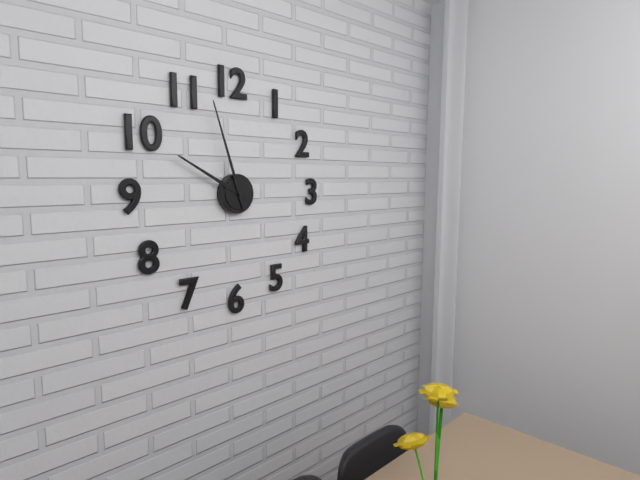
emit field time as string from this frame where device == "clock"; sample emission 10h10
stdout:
9h57
